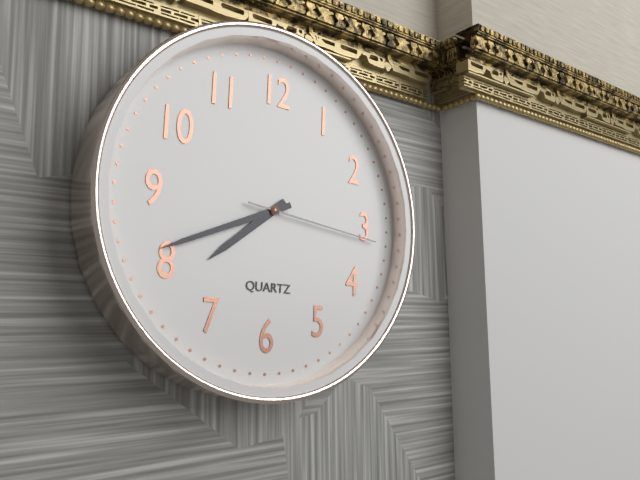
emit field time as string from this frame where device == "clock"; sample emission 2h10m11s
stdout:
7h41m16s
